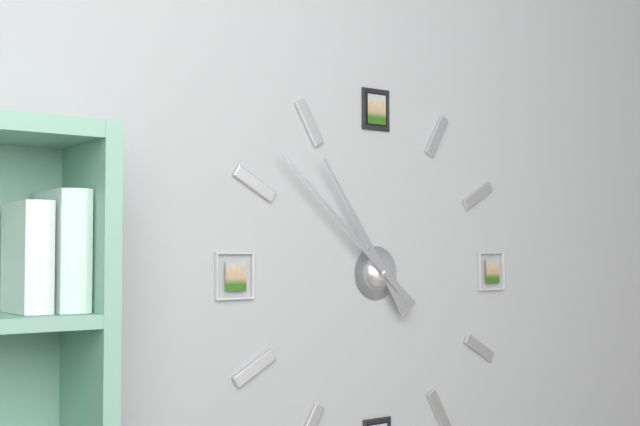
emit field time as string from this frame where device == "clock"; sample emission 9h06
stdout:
10h52
